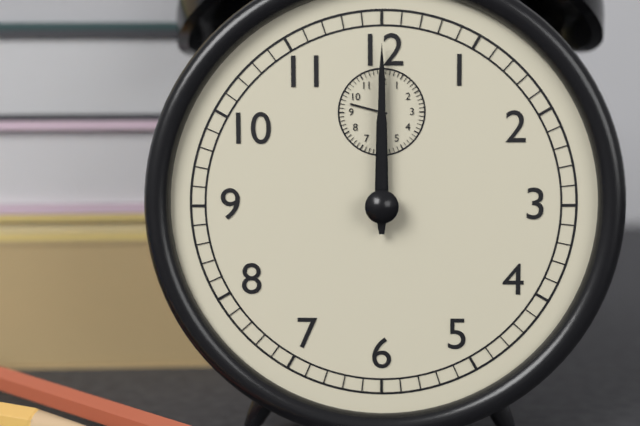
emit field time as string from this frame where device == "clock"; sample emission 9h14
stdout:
12h00
